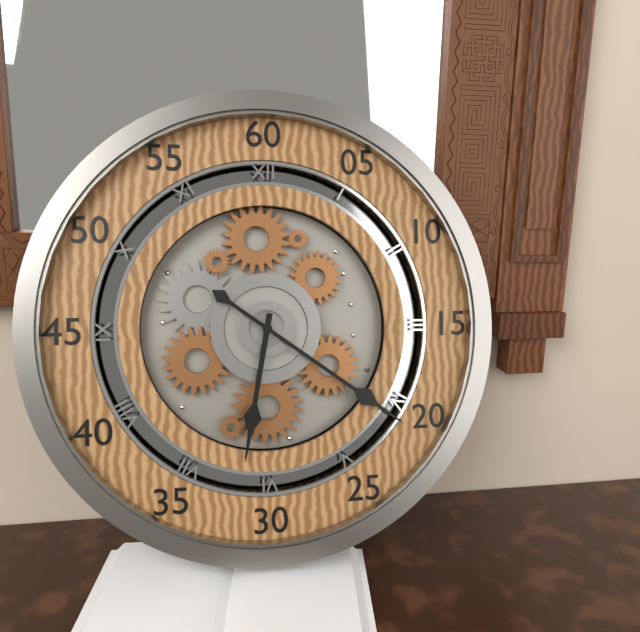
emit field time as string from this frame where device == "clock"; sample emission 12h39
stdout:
6h21
